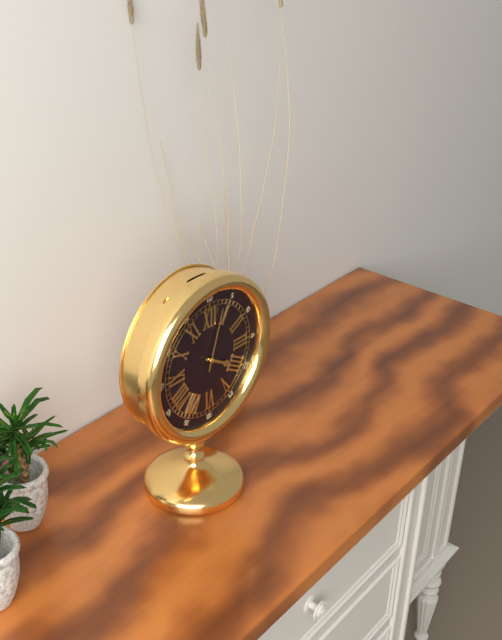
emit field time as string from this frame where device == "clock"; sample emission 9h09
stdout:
4h03
